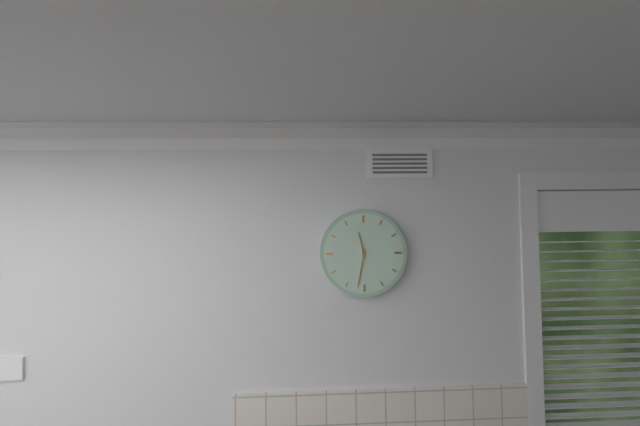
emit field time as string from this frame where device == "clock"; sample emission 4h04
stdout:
11h32
